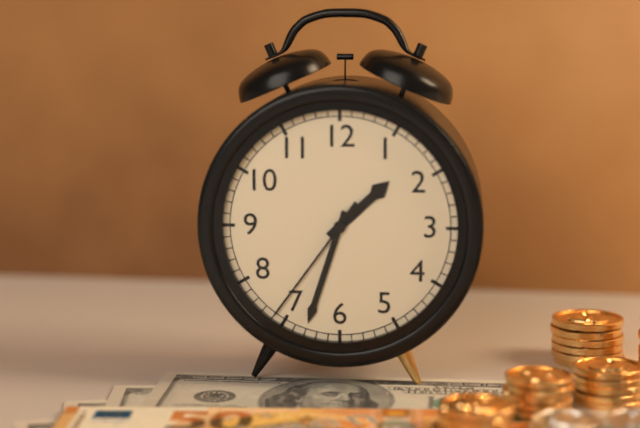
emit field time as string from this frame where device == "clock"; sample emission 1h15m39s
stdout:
1h33m36s
